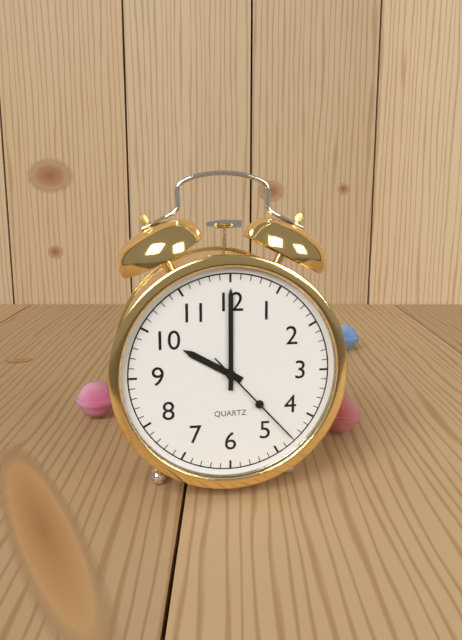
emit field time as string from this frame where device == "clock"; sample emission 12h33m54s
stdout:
10h00m23s
